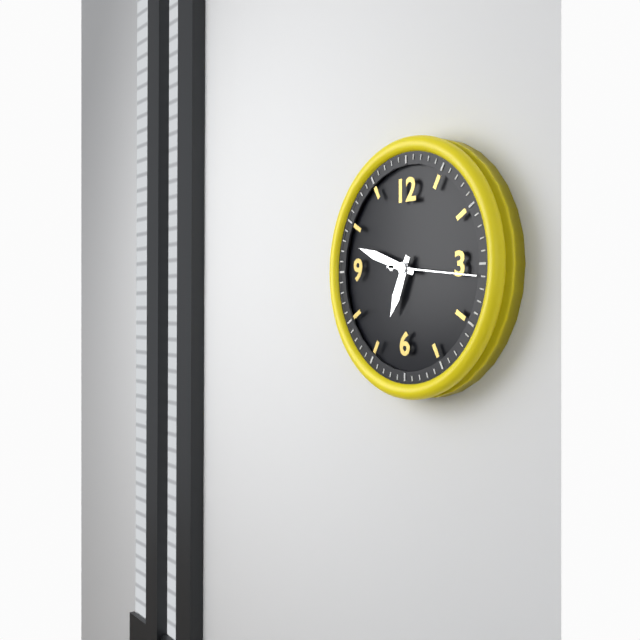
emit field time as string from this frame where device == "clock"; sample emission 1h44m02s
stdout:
6h48m16s
